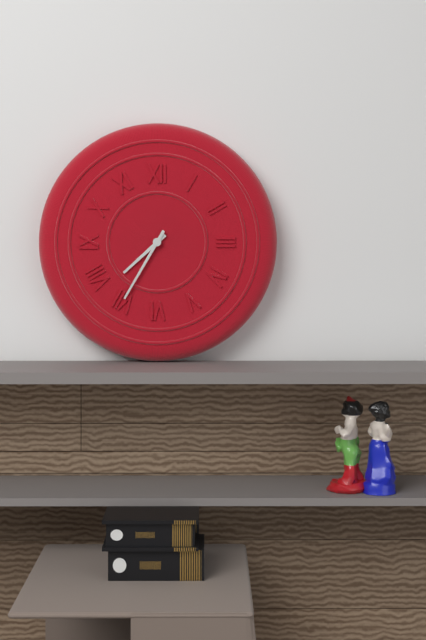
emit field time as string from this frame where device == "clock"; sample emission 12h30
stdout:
7h35
